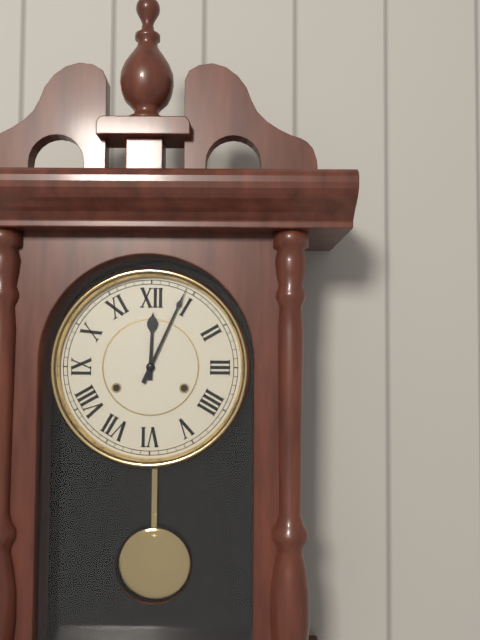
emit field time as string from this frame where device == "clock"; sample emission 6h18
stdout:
12h04
